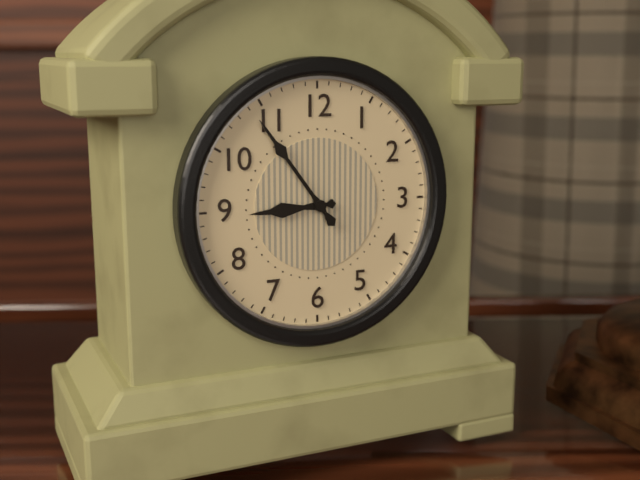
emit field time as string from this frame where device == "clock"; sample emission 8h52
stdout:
8h54
